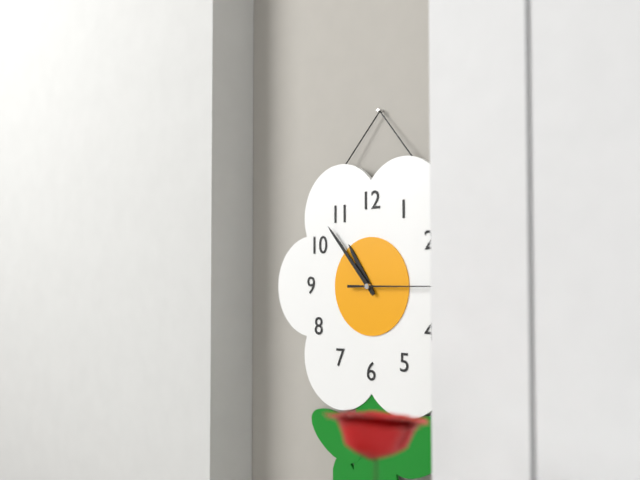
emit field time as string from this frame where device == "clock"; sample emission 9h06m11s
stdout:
10h53m15s
